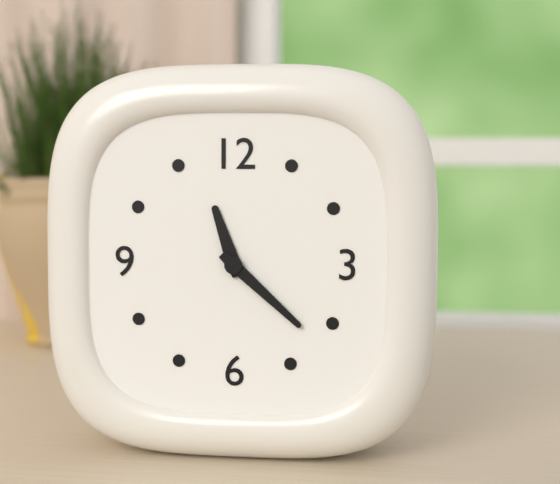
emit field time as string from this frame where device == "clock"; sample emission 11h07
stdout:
11h22
